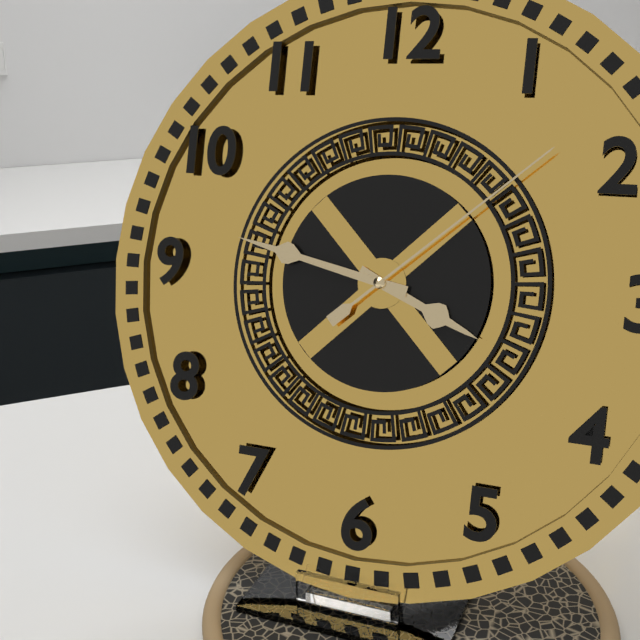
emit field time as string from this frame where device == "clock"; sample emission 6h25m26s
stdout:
3h47m08s
